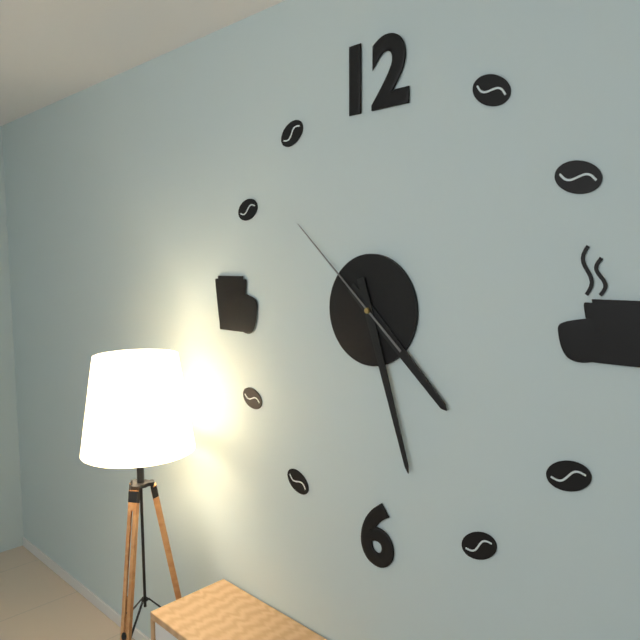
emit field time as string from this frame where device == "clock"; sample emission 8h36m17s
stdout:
4h27m52s
